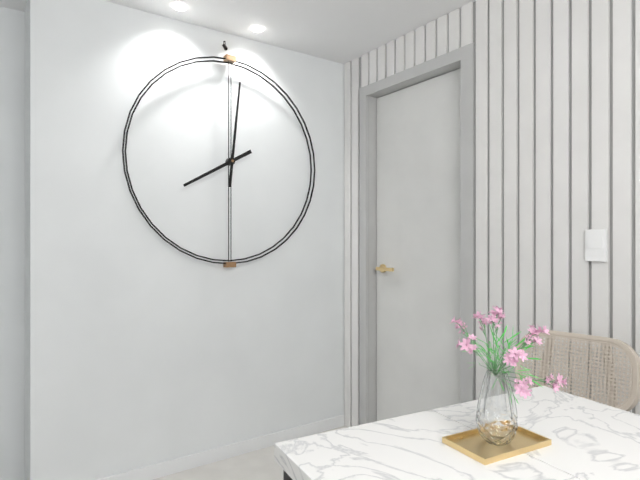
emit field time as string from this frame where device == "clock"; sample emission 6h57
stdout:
8h01
